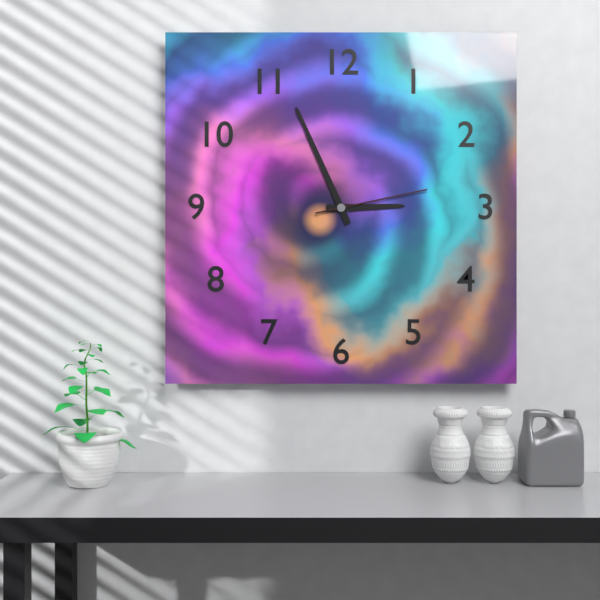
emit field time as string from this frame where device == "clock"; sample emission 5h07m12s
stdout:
2h56m13s
